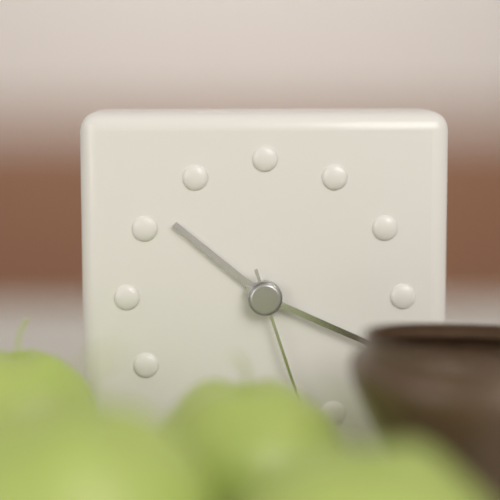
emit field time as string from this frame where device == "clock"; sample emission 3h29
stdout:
10h19
